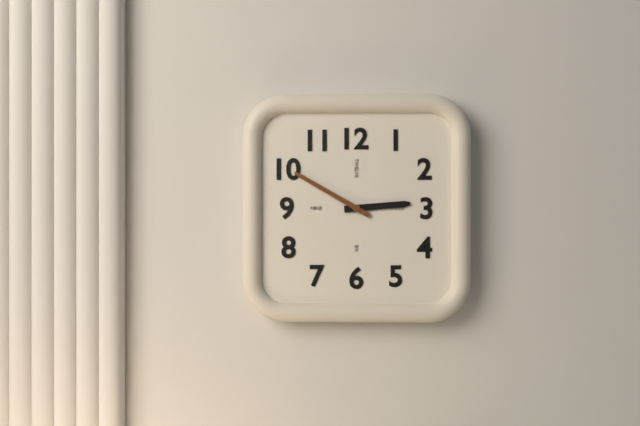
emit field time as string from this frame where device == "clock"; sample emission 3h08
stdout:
2h50
